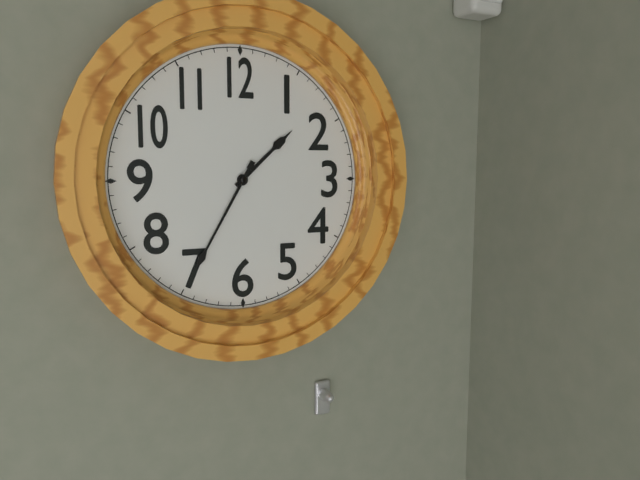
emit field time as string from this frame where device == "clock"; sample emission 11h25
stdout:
1h35
